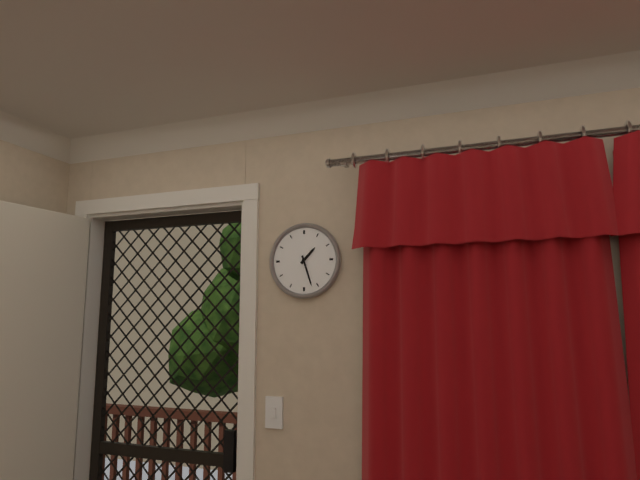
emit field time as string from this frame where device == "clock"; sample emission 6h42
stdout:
1h27
